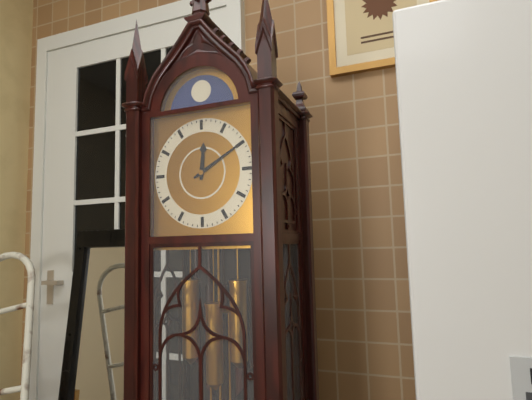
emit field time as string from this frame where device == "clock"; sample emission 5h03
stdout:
12h10
